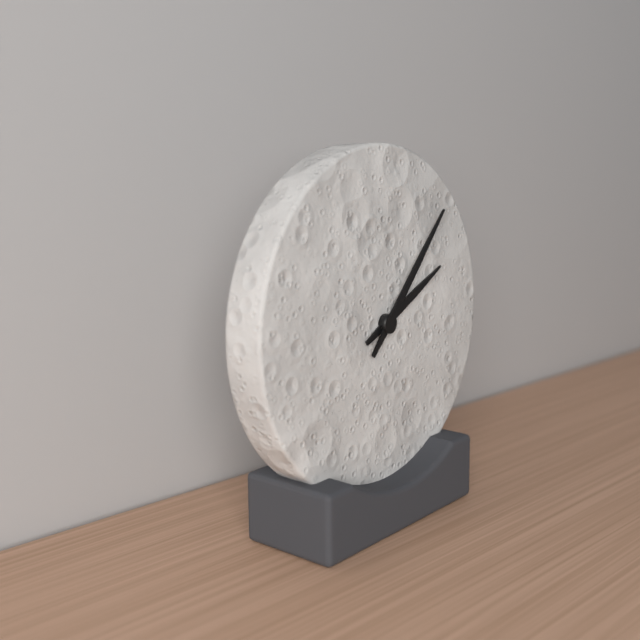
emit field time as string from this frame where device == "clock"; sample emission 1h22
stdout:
2h07
